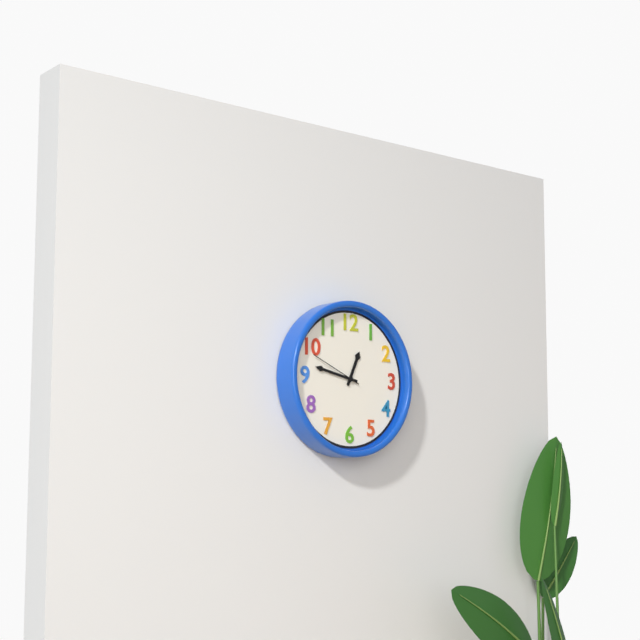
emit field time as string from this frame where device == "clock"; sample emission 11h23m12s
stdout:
12h47m49s
